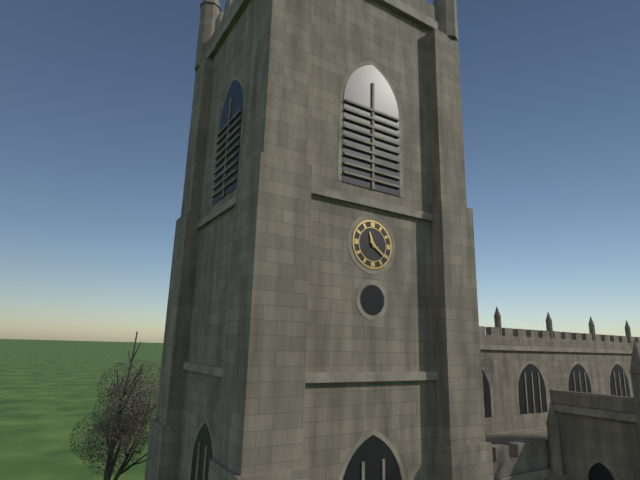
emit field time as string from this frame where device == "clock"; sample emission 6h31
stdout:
11h21
